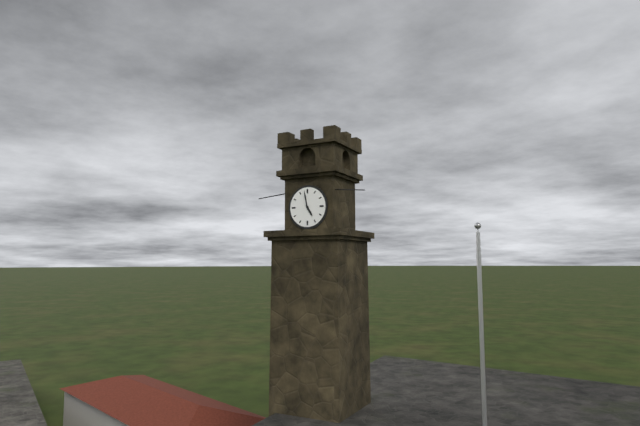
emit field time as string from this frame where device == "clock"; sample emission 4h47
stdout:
4h58
